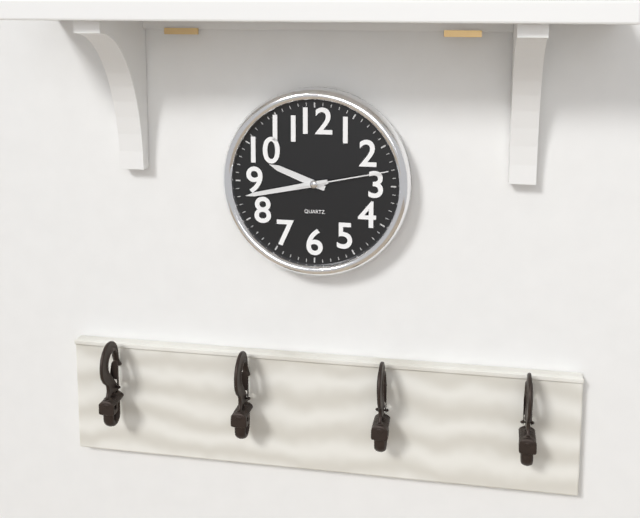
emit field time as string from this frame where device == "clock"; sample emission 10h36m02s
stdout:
9h43m13s
